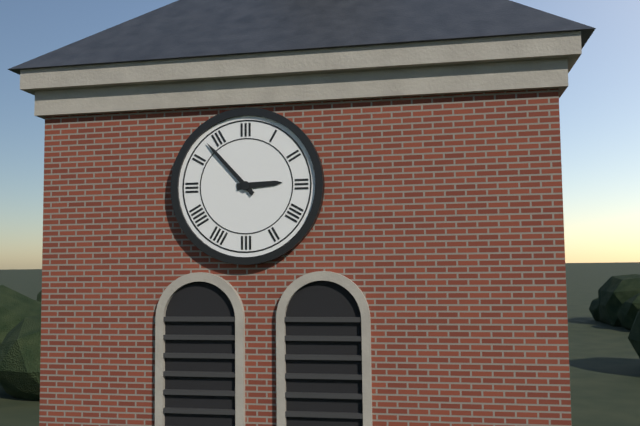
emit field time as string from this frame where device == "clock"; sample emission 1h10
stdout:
2h53
